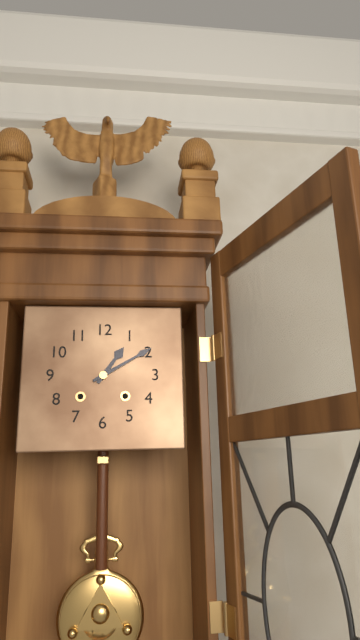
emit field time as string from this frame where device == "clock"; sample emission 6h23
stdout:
1h10
